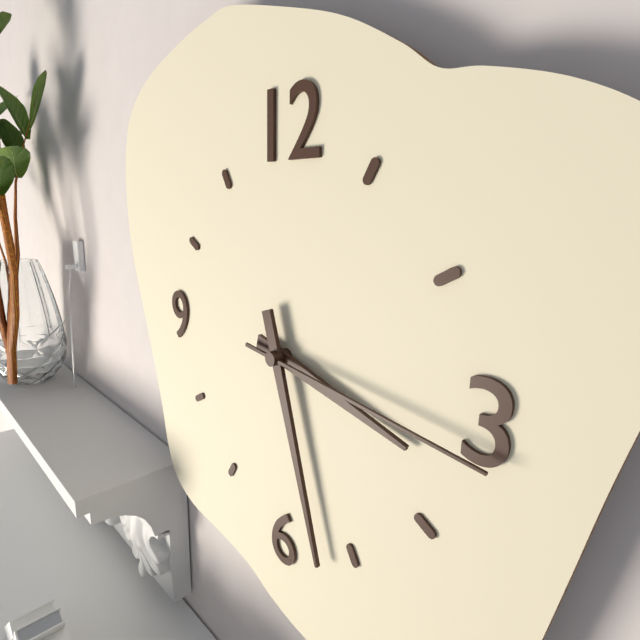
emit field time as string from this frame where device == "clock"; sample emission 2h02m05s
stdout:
3h27m16s
